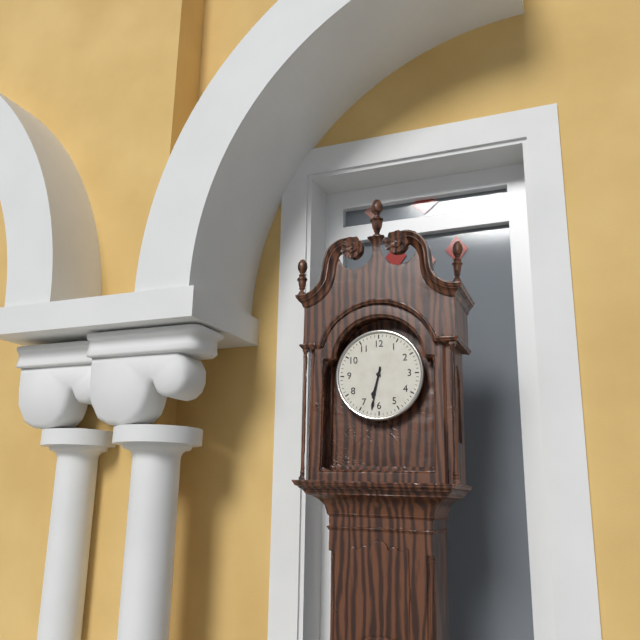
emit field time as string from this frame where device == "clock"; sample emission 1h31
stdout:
6h32
